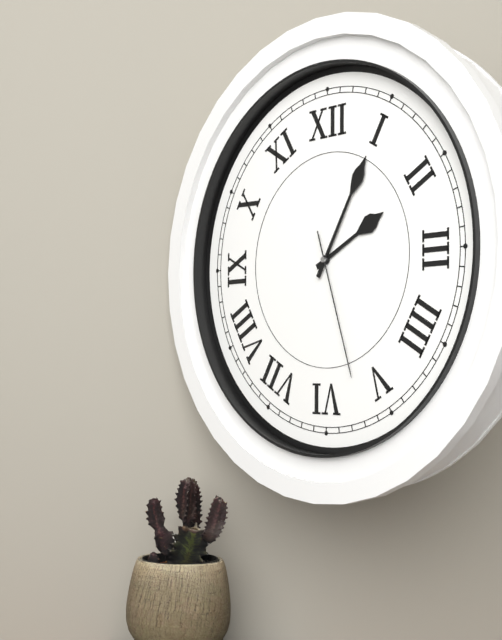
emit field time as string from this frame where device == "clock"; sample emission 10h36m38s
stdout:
2h05m27s
